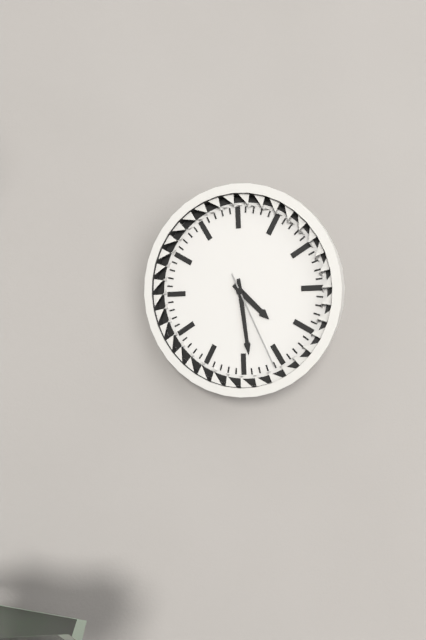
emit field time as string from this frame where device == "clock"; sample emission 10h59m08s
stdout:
4h29m26s
